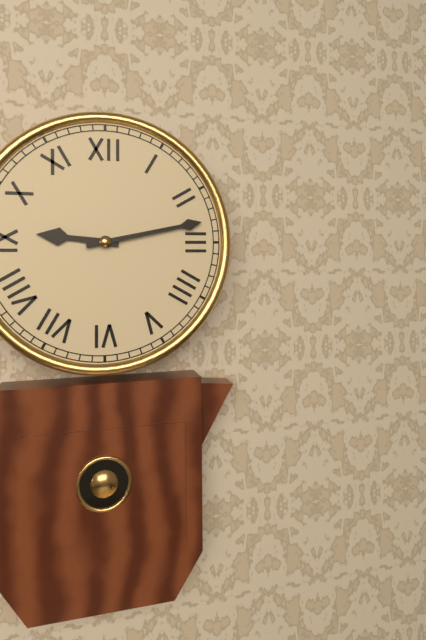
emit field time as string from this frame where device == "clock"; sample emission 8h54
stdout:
9h13
